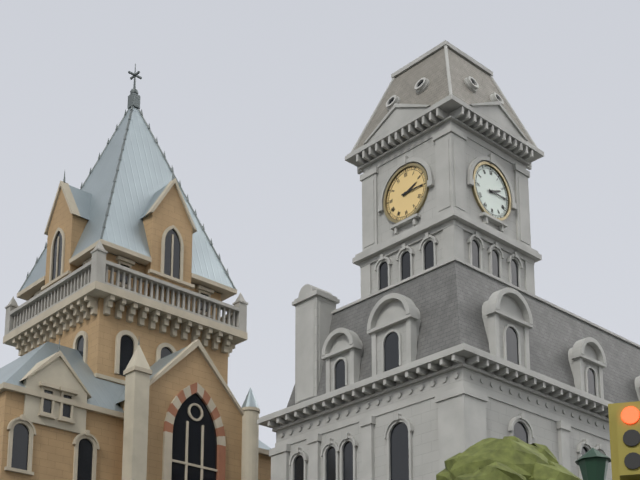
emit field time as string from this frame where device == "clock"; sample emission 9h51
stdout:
2h15
